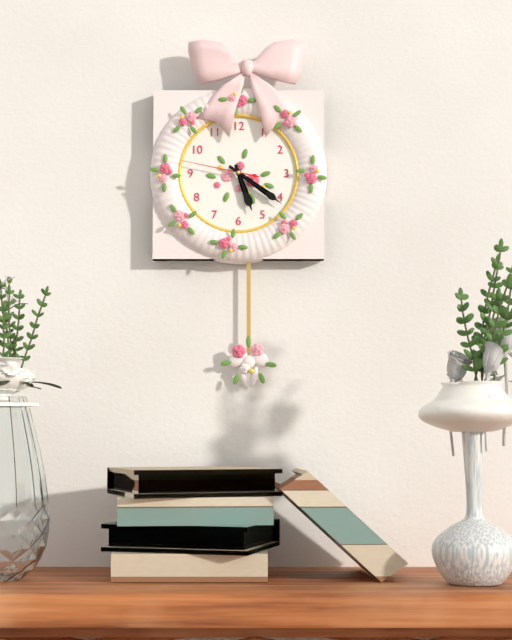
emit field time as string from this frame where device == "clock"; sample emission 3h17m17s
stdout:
5h21m47s
